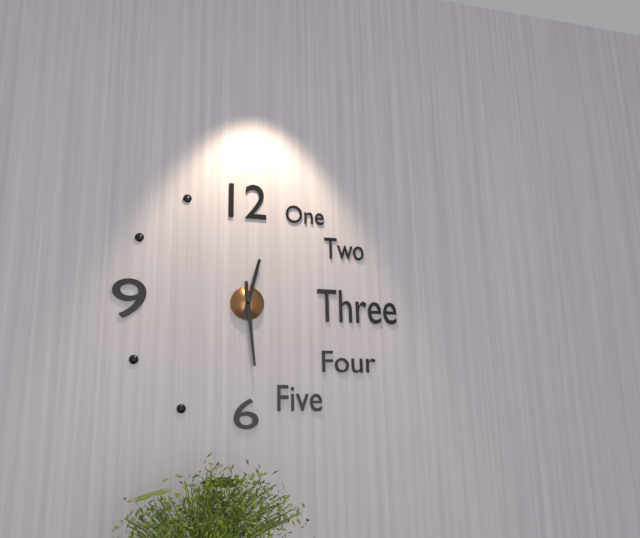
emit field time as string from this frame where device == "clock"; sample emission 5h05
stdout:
12h29
